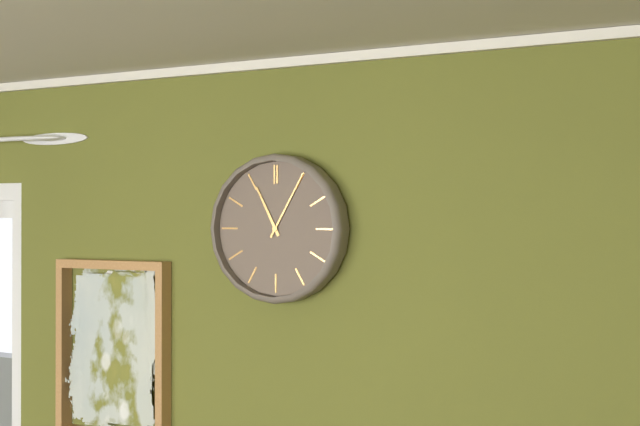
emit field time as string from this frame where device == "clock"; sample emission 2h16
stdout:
11h05
